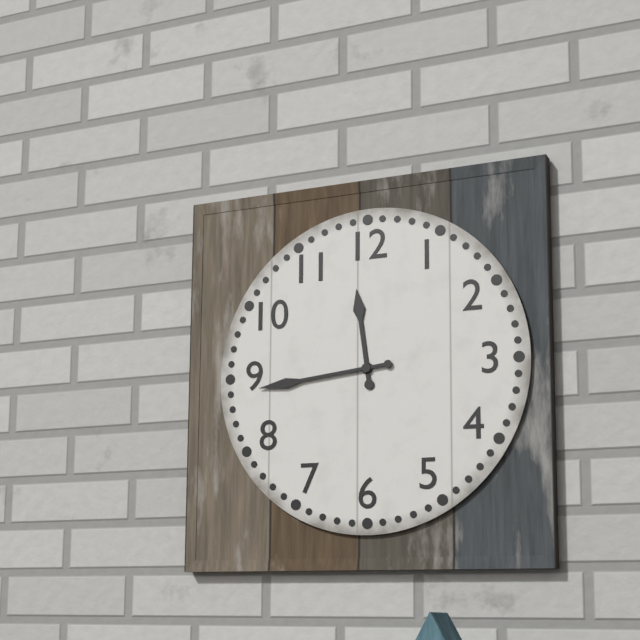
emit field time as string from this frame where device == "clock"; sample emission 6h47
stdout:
11h44
